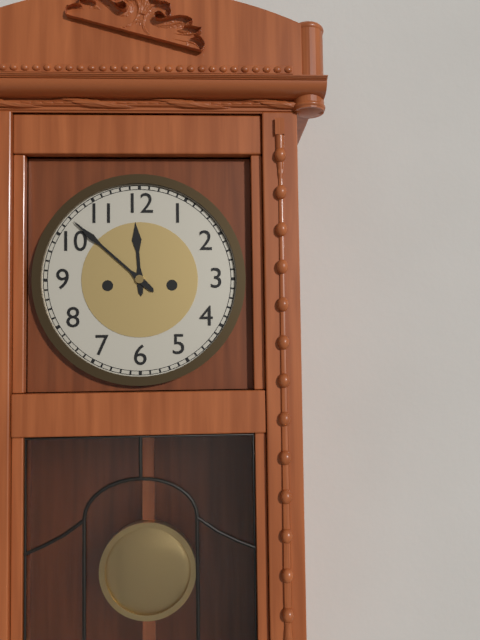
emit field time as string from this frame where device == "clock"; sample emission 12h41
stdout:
11h52
